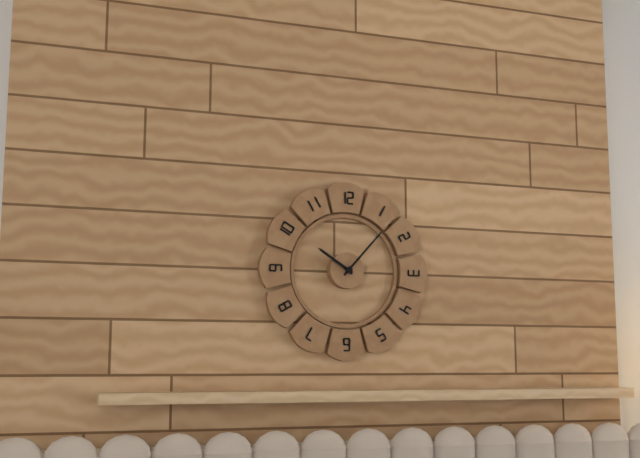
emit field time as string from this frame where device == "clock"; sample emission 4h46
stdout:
10h07
